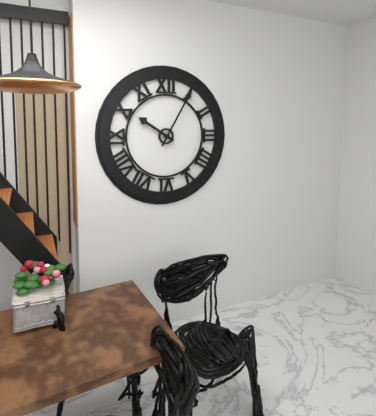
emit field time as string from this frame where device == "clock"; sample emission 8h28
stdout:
10h05
